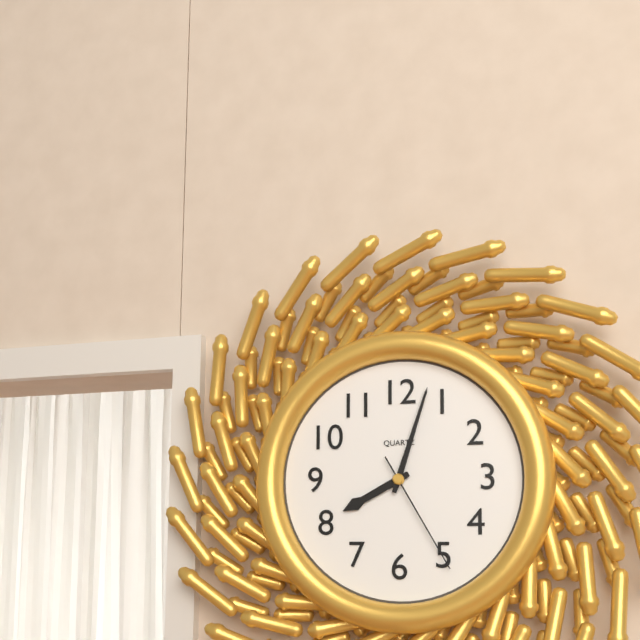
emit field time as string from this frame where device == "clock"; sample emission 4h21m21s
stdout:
8h03m25s
